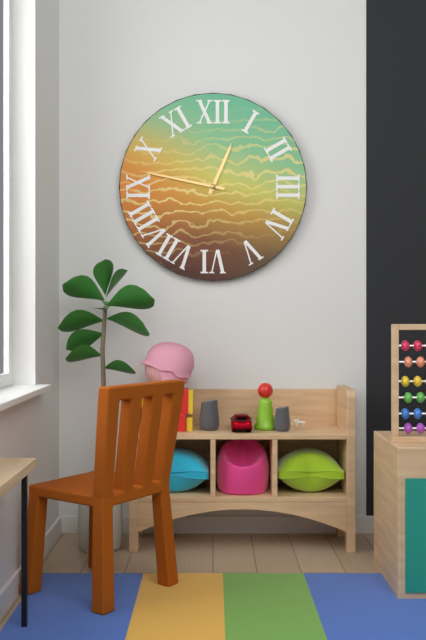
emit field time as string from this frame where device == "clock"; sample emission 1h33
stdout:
12h47
